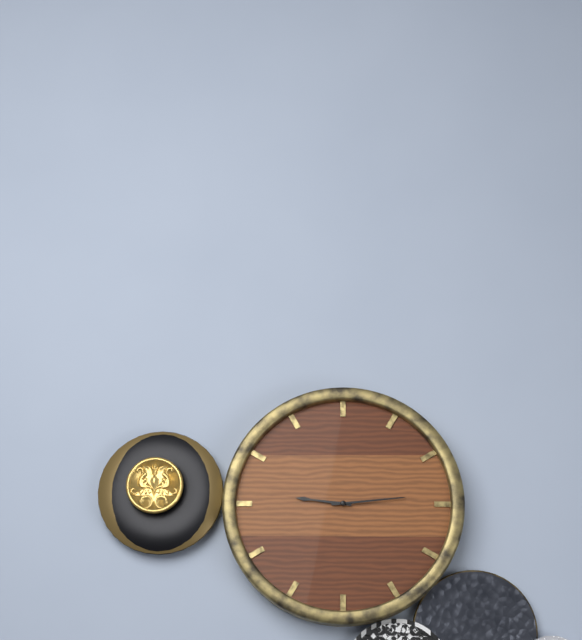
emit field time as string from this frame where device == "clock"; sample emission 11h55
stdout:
9h14
